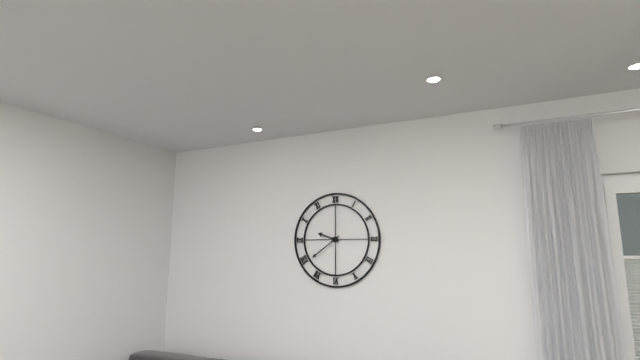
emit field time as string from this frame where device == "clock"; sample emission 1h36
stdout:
9h39
